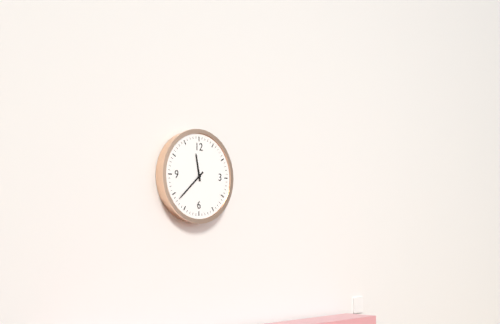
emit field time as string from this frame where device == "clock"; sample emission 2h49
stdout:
11h38
